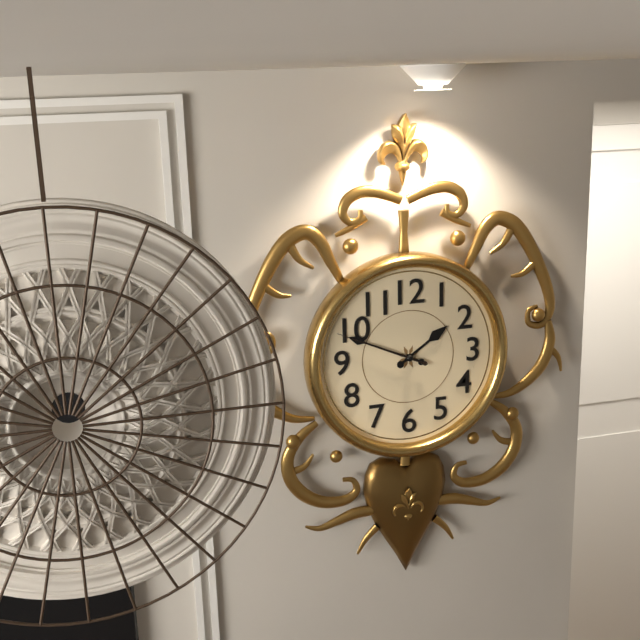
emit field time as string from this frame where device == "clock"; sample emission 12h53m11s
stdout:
1h49m49s
